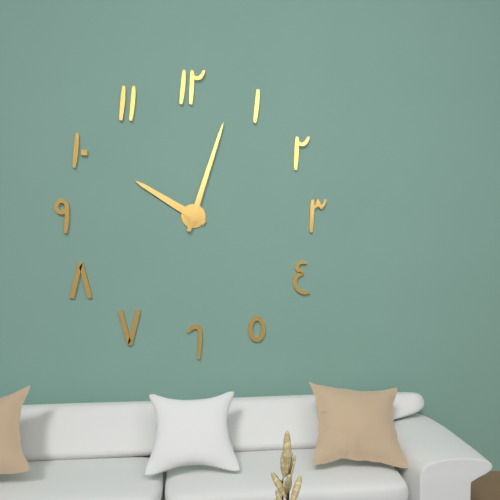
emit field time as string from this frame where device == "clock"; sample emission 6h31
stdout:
10h03
